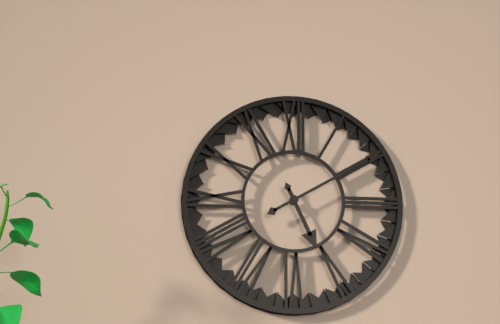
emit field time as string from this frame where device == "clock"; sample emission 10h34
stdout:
5h10
